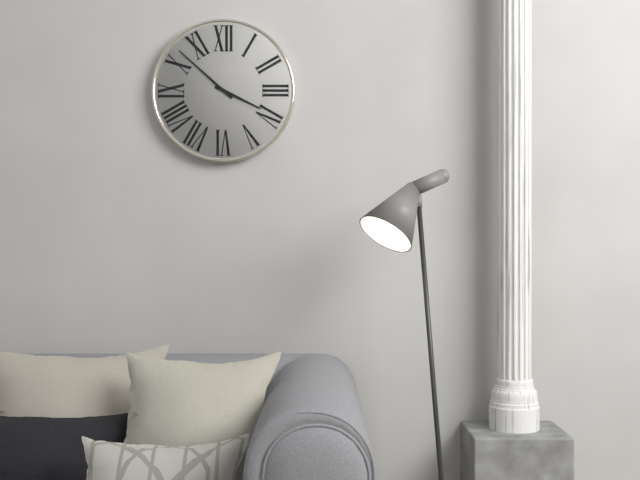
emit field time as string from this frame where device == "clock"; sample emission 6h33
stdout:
3h52
